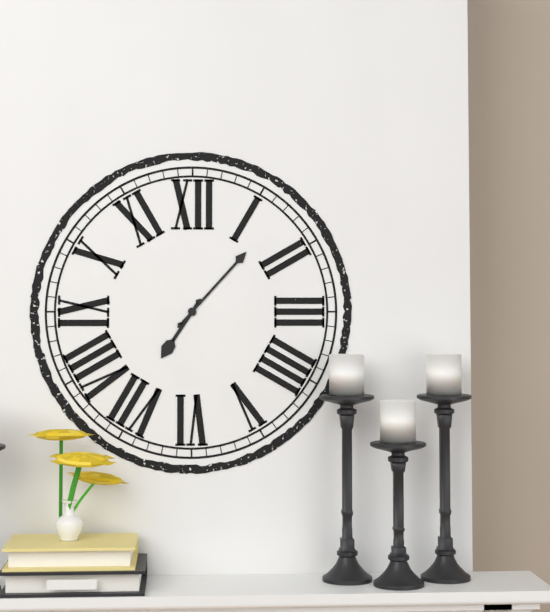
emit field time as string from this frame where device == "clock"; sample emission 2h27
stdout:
7h07
